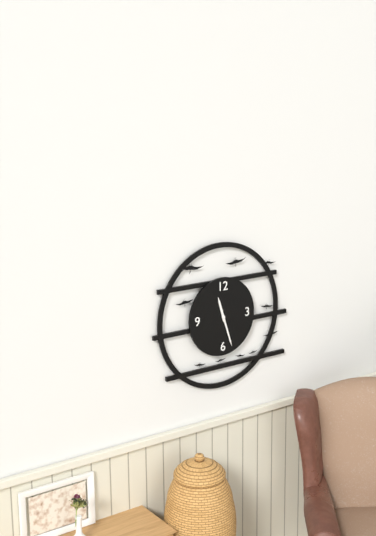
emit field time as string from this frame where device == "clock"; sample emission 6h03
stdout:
11h27
